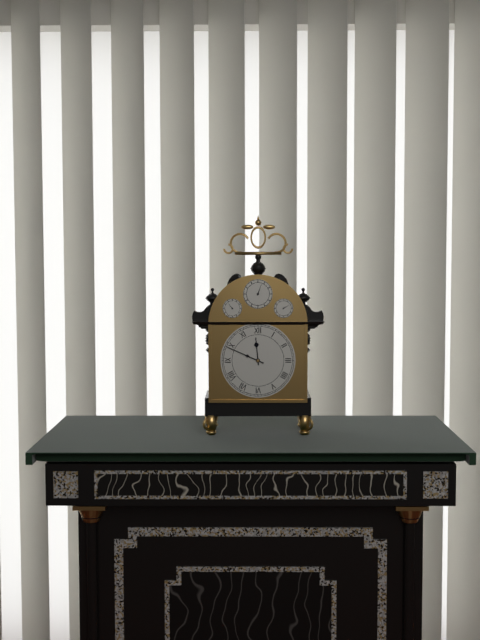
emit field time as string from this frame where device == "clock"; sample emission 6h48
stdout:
11h49
